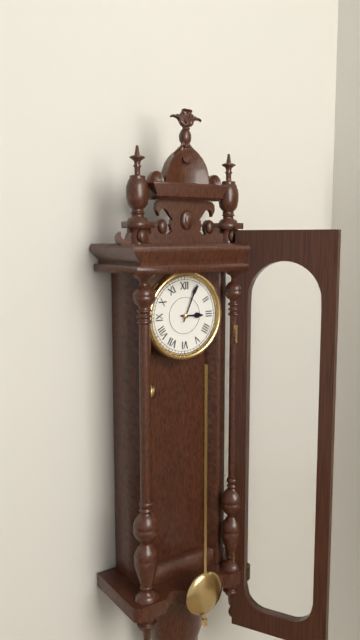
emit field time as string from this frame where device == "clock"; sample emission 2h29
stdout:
3h04
